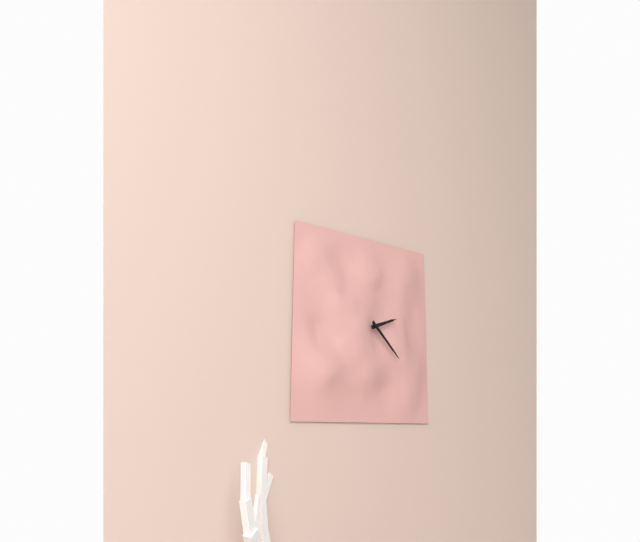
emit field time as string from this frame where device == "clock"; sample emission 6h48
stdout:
2h22
